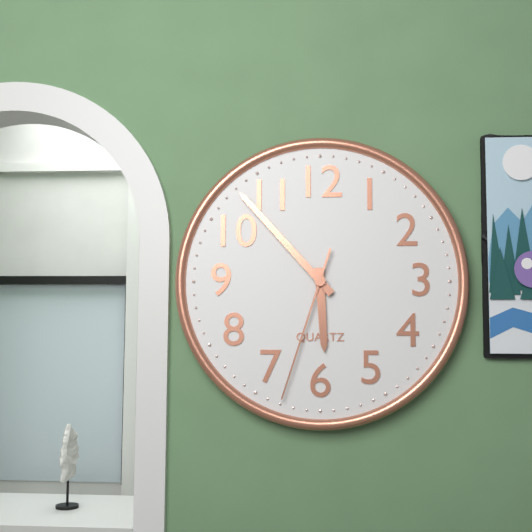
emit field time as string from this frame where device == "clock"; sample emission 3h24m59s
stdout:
5h53m33s
